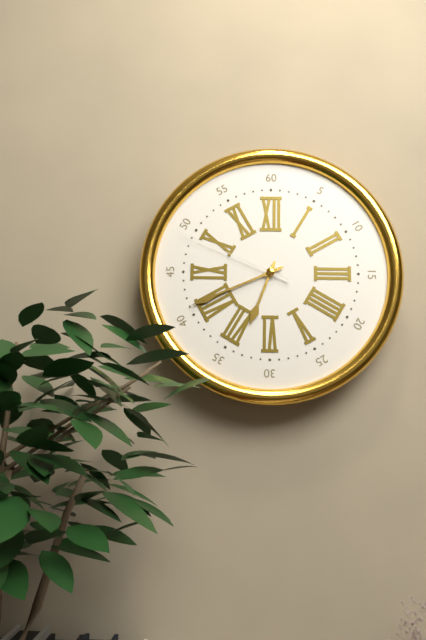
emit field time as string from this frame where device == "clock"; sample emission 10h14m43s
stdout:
6h41m49s
